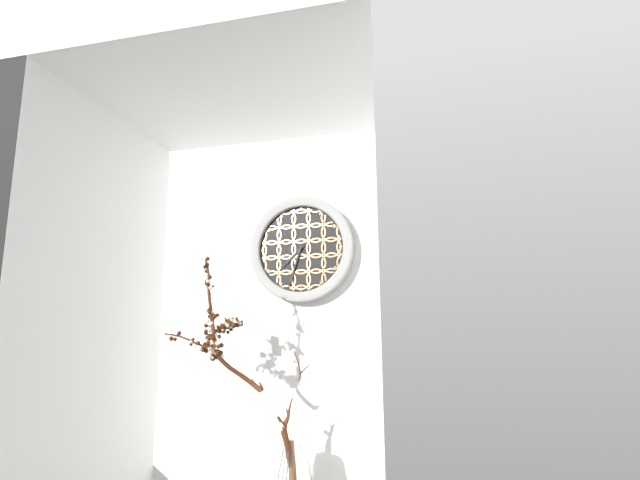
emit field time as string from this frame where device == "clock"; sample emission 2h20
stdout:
7h33
